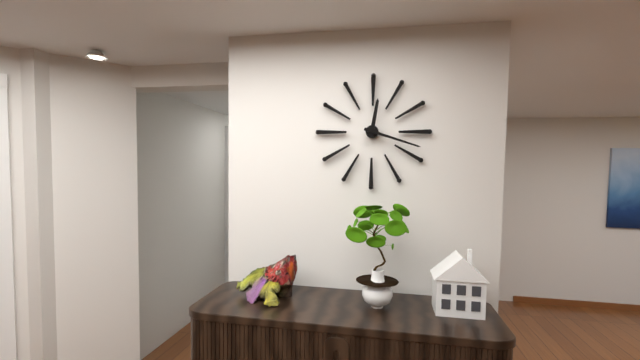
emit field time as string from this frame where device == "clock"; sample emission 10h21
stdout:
12h18
